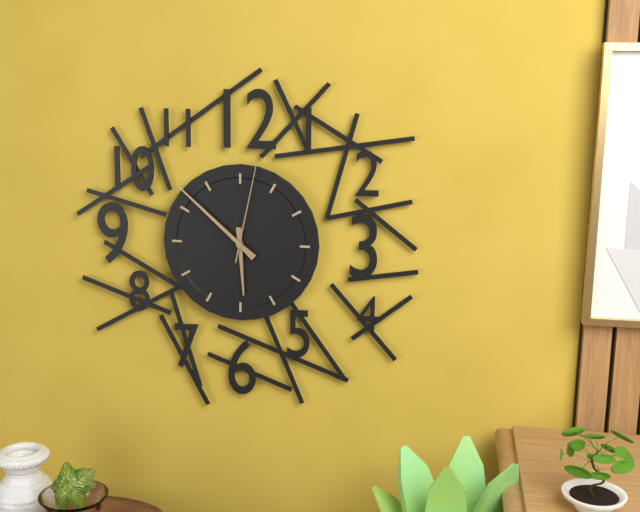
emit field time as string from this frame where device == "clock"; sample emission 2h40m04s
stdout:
5h52m02s
